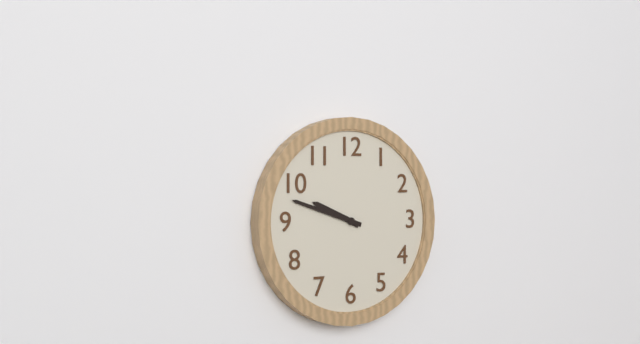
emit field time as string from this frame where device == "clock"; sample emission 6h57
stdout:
9h48
